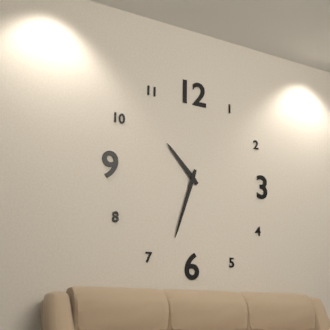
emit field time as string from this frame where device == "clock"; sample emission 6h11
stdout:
10h33
